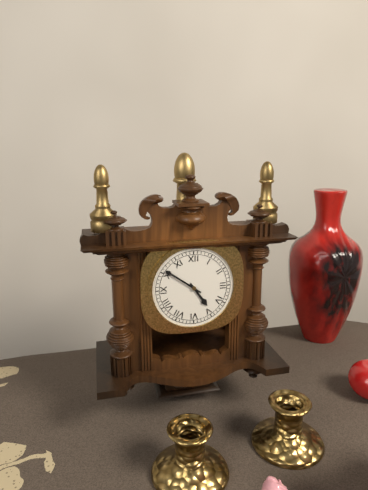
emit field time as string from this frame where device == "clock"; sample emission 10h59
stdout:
4h51
